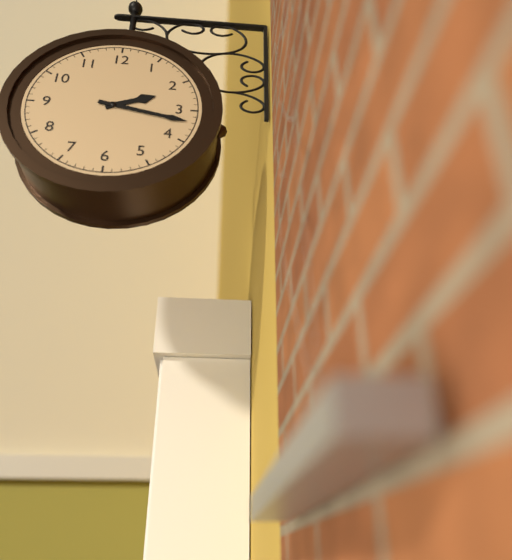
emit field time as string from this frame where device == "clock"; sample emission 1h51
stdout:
2h17
